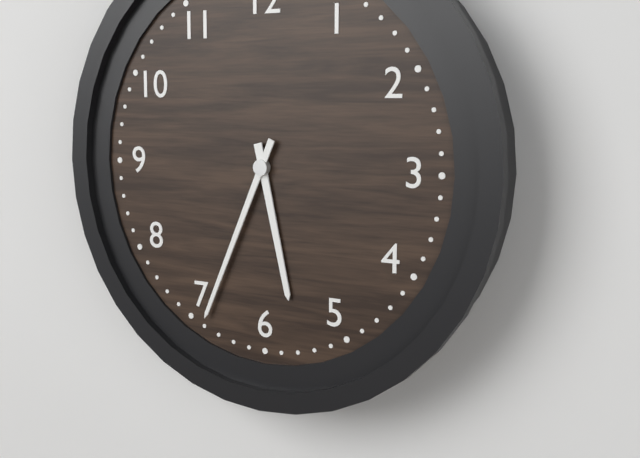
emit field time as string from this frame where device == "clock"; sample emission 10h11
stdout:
5h34
